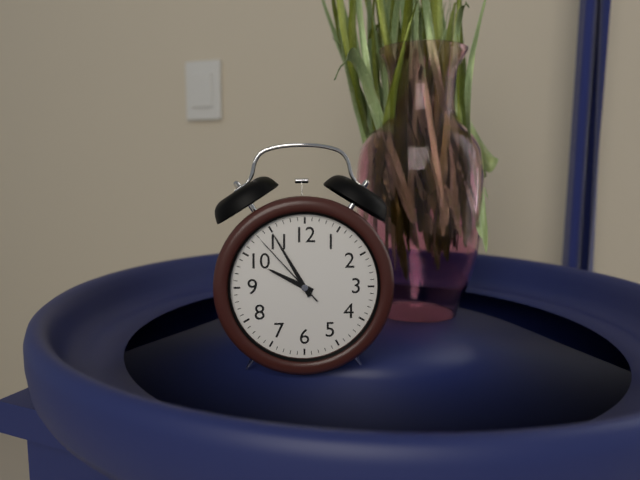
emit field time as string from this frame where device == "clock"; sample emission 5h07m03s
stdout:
9h55m53s
